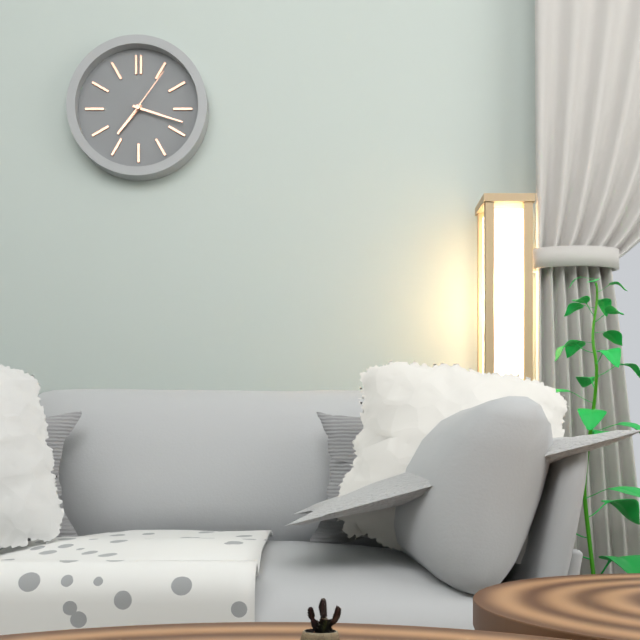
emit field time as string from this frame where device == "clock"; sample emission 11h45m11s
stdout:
7h18m06s
